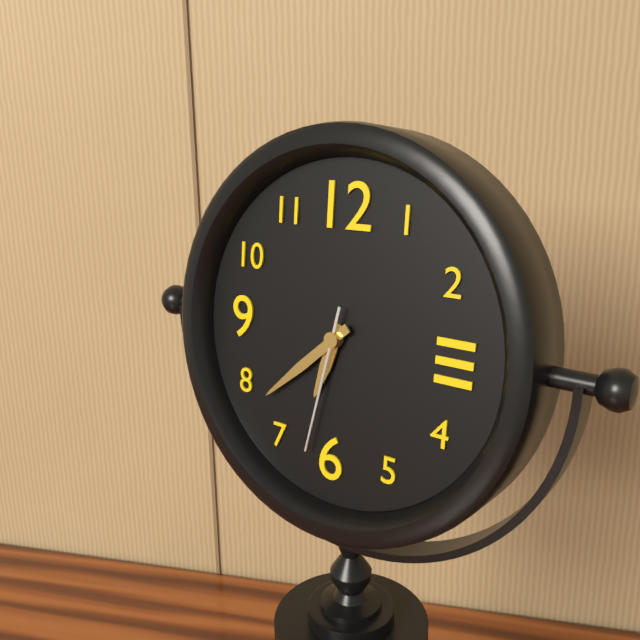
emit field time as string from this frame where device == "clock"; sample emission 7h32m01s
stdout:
6h38m32s
